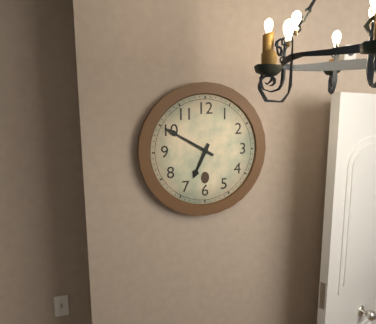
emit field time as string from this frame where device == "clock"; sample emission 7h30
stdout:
6h50
